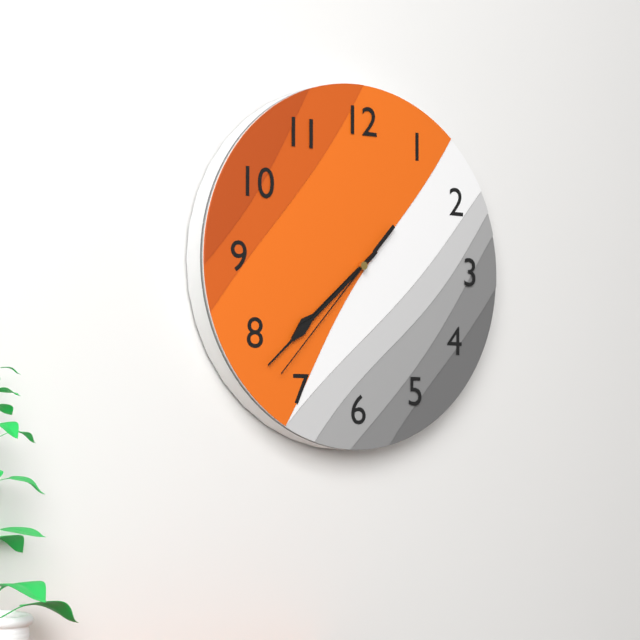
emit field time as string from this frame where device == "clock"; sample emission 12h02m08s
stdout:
7h38m37s
